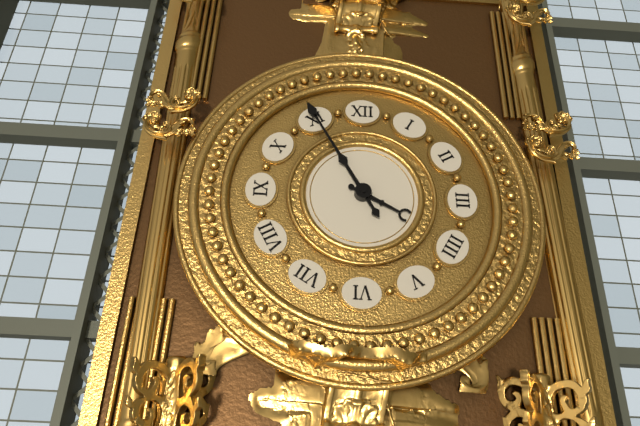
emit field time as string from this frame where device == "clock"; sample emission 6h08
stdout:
3h55
